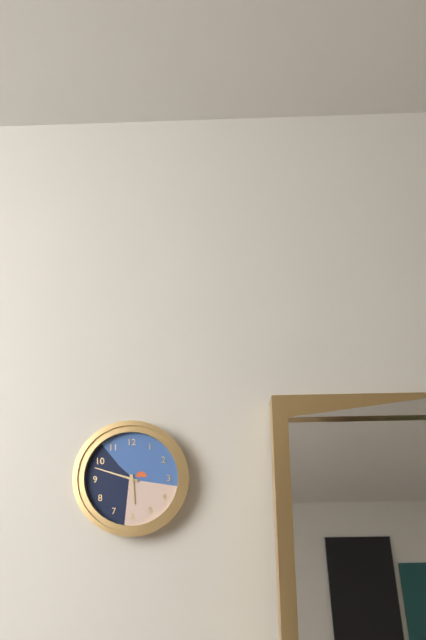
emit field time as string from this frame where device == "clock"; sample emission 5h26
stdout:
5h48
